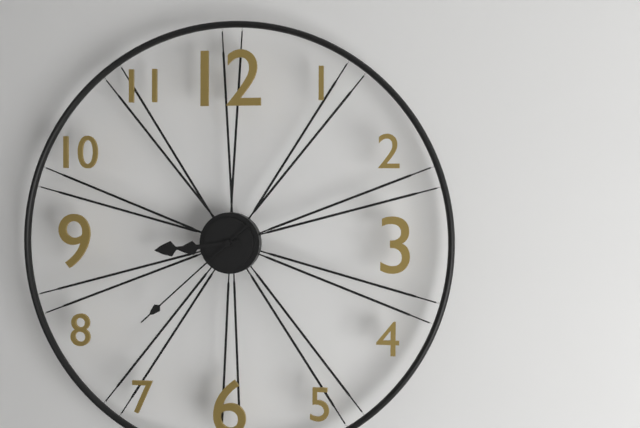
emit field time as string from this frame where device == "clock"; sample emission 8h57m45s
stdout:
8h44m38s
